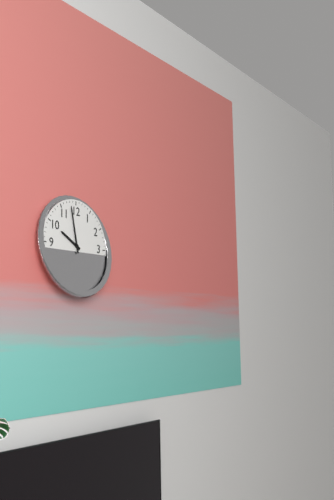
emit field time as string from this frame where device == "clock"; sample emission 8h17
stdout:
9h58
